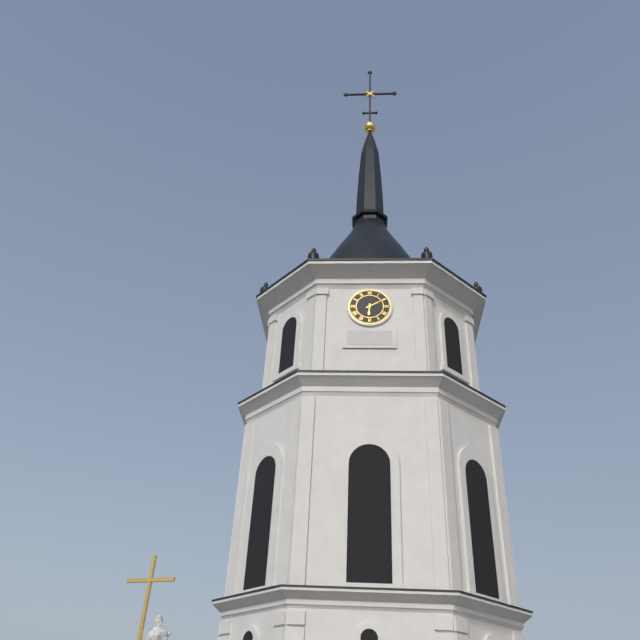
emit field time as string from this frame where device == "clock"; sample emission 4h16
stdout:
6h10
